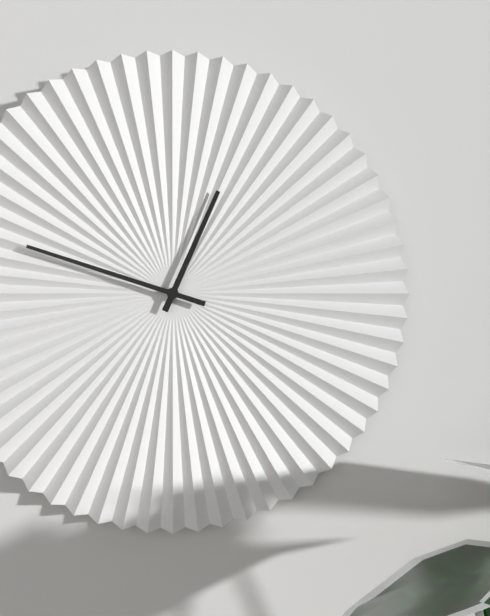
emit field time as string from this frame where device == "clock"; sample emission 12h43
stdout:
12h48
